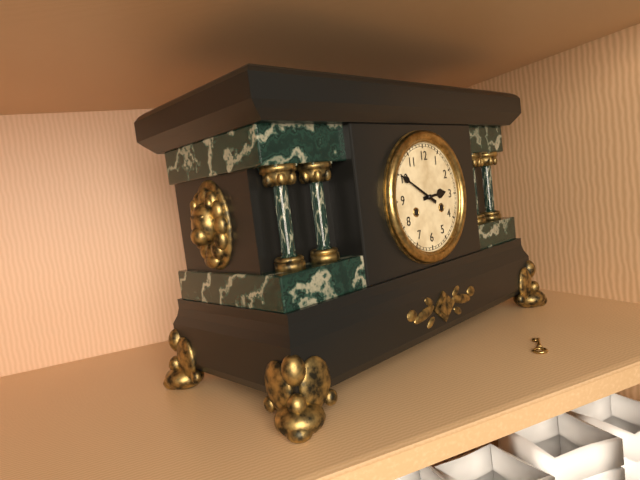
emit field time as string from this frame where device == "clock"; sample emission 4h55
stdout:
2h50
